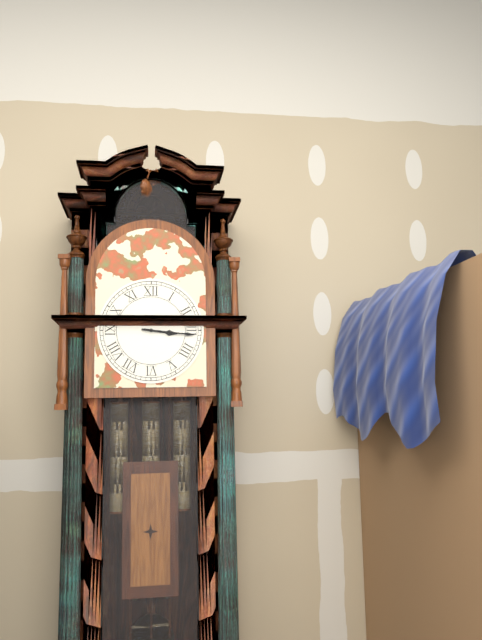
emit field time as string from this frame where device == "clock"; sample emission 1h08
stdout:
3h16
